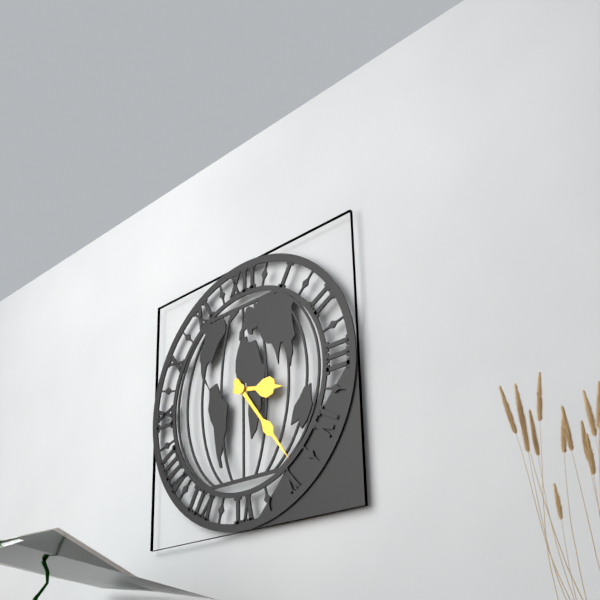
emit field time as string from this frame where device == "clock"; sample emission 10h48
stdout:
3h24
